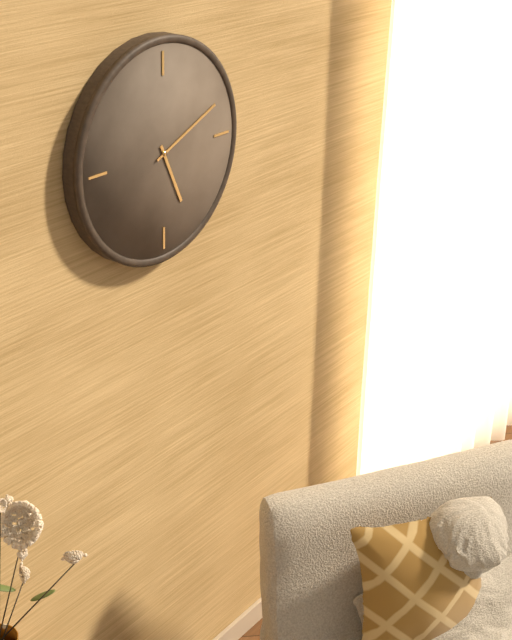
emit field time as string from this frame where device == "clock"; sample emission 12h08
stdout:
5h11
